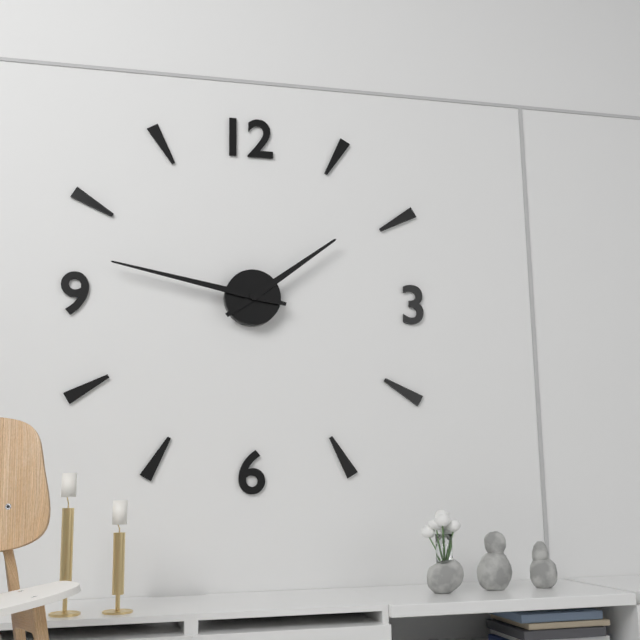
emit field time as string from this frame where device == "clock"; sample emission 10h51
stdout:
1h47
